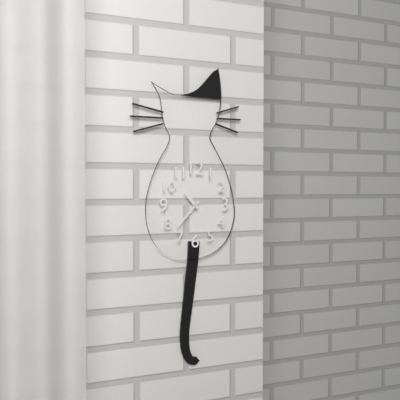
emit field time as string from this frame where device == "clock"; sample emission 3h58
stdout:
10h37
